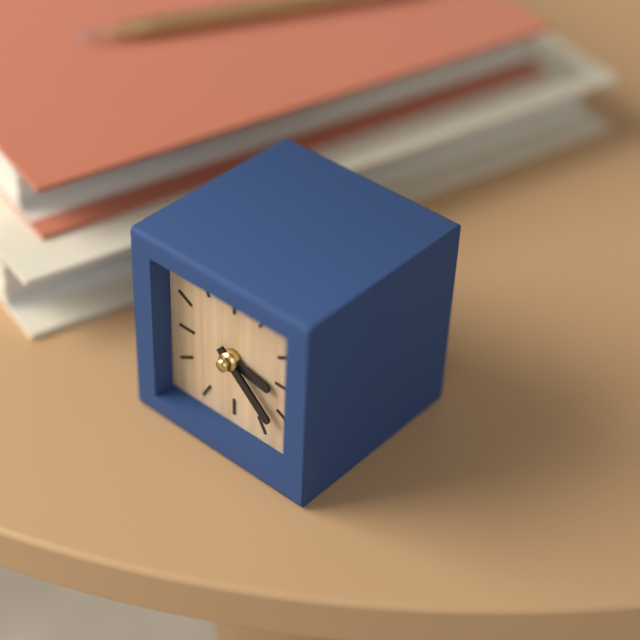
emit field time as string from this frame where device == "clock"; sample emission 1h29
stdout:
3h22
